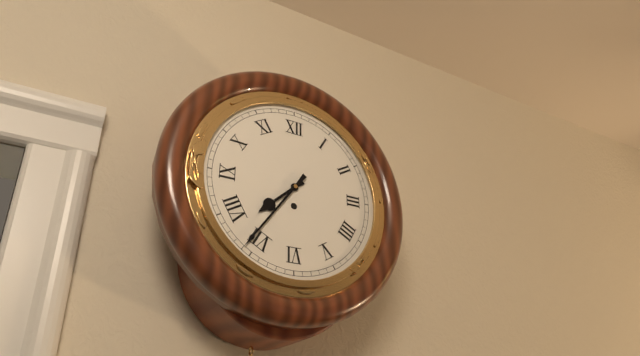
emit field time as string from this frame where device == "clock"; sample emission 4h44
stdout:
7h36
